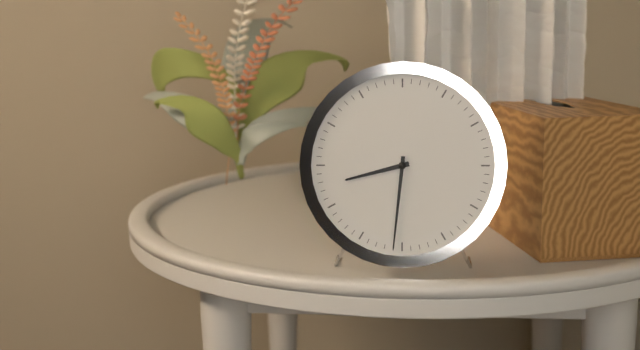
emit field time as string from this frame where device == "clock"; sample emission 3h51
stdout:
8h31
